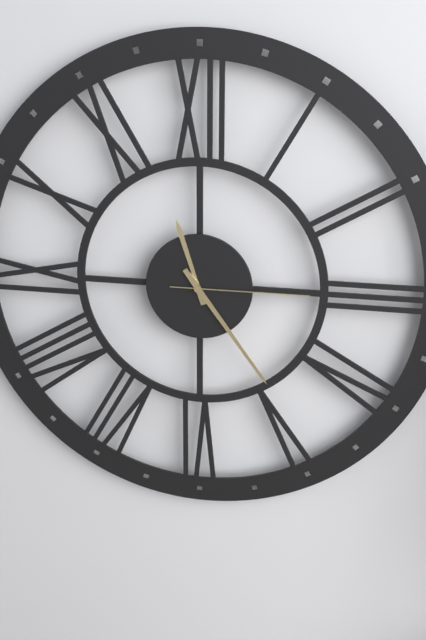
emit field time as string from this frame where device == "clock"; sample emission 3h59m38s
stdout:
11h24m15s
